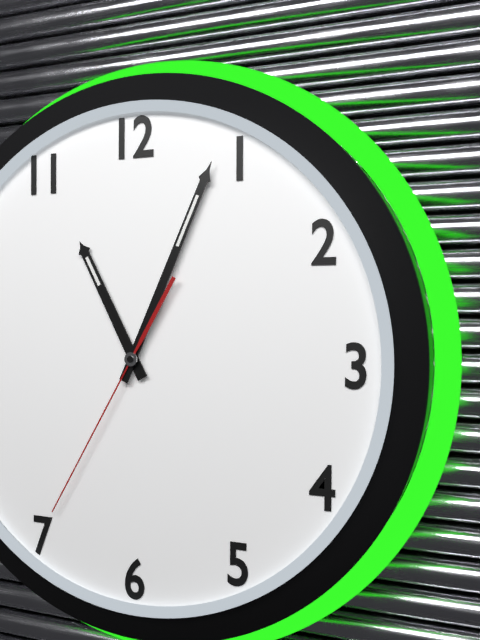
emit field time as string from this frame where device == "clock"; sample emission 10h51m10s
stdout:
11h04m35s
